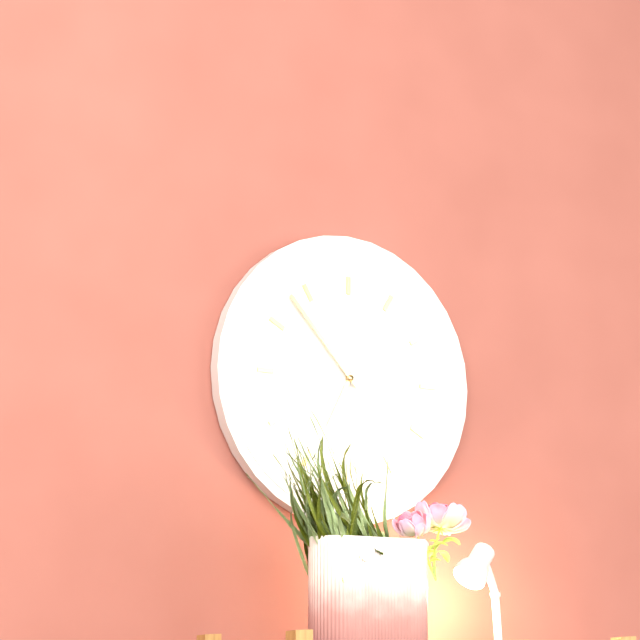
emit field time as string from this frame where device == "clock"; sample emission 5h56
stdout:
6h53
